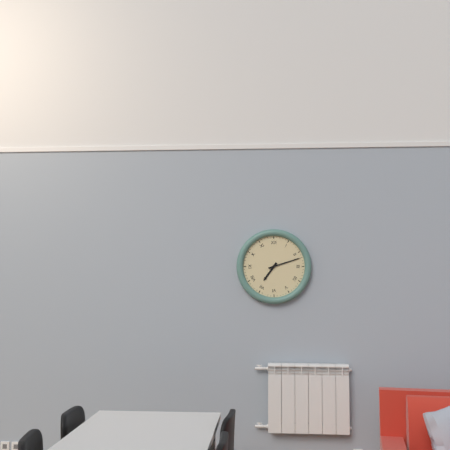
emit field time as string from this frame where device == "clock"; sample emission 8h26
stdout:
7h12
